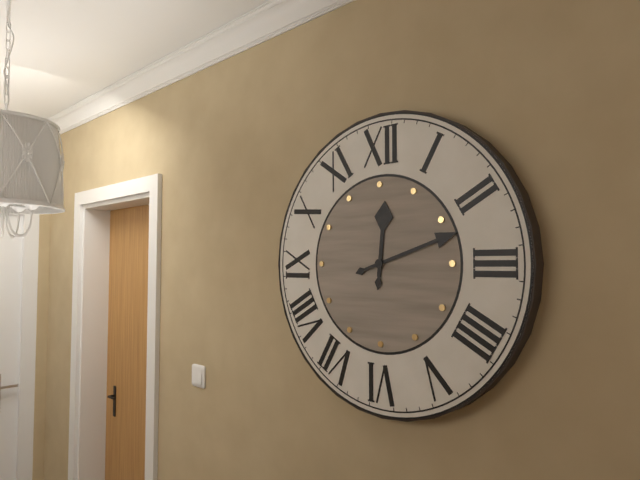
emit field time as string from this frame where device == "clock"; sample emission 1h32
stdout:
12h12
